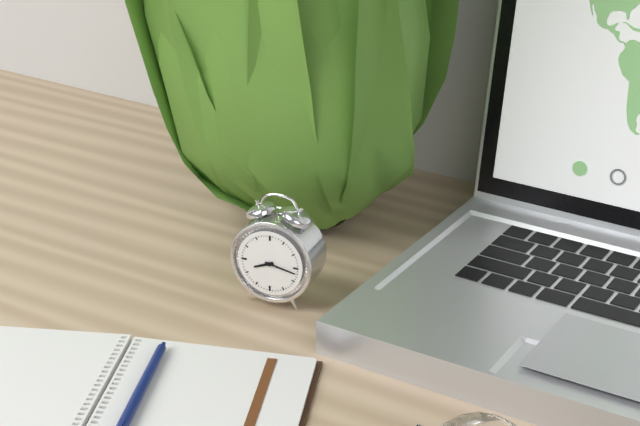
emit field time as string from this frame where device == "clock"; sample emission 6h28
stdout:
8h17
